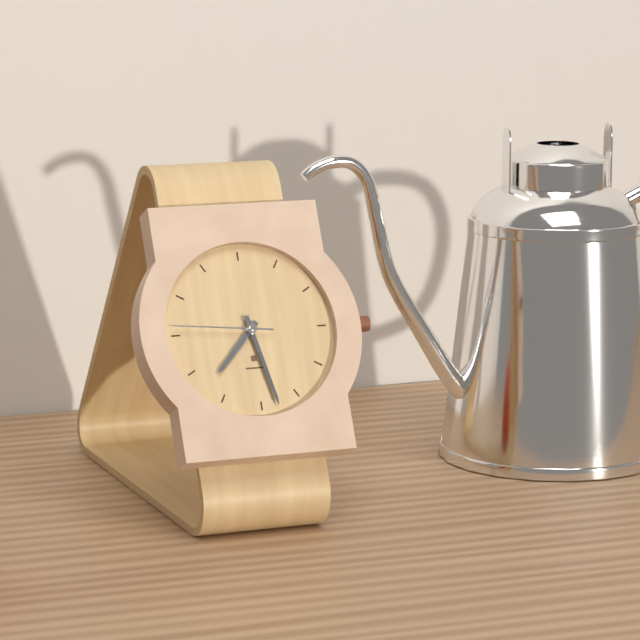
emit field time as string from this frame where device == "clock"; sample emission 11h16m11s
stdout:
7h28m46s
